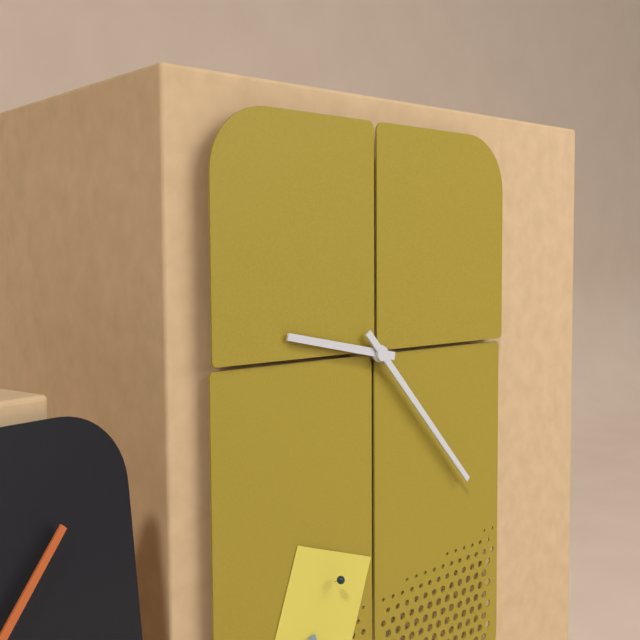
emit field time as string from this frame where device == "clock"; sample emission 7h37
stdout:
9h23
